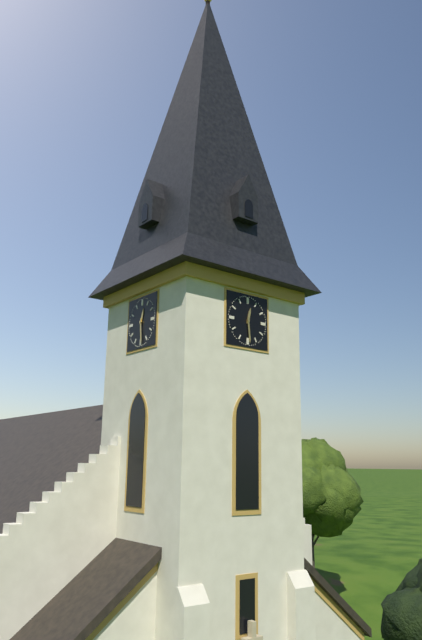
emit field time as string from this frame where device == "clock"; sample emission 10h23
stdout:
12h29
